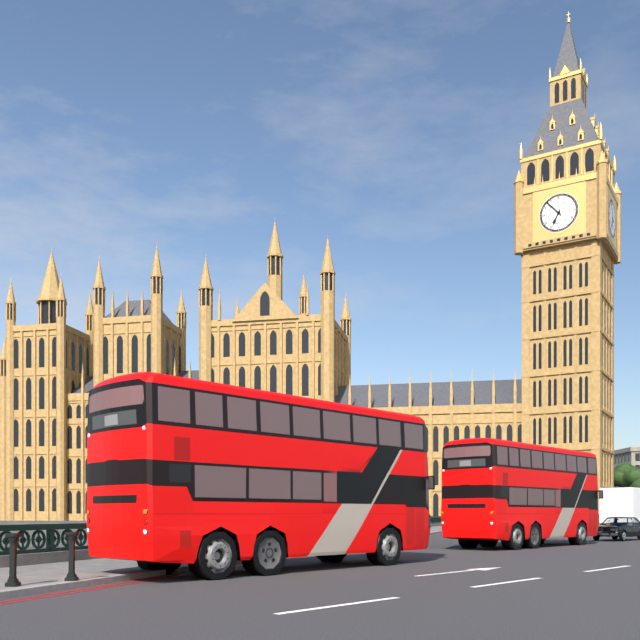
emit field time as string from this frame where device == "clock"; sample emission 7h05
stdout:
6h53
